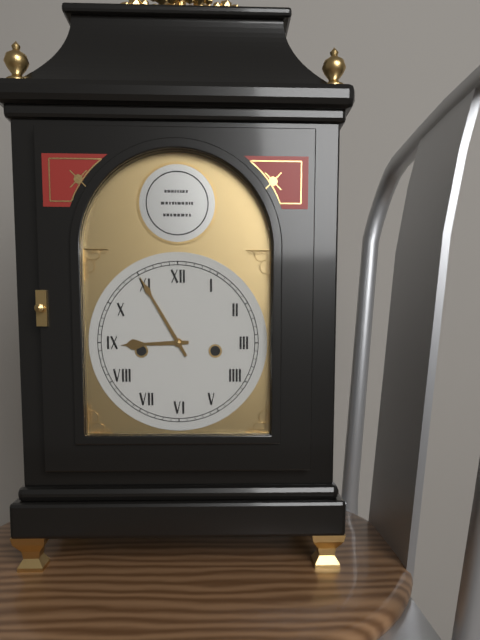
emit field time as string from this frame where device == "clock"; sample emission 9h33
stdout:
8h55
